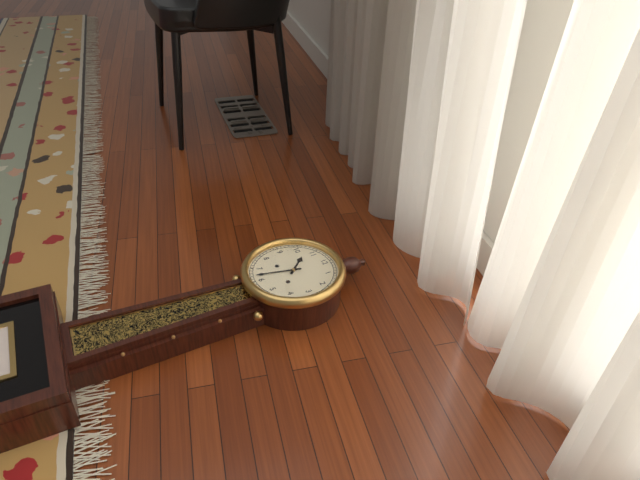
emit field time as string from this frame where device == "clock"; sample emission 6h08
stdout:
10h32
